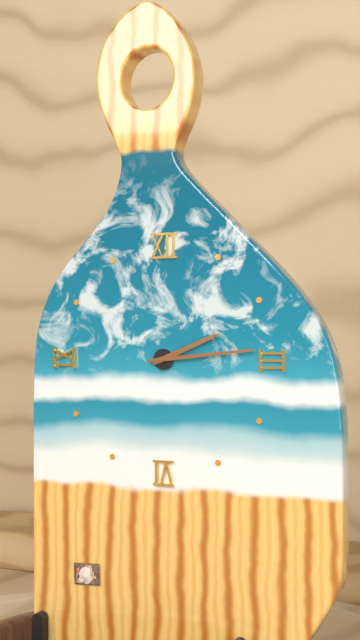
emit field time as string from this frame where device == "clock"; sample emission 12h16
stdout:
2h14
